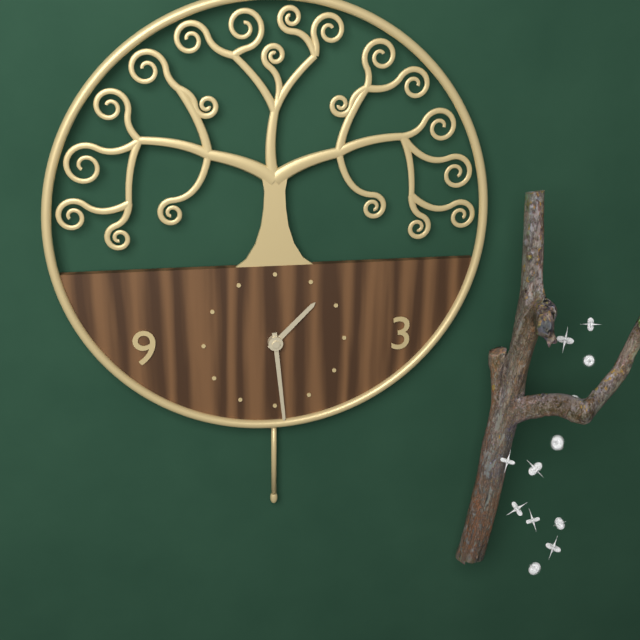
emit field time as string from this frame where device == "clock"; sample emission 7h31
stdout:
1h29
